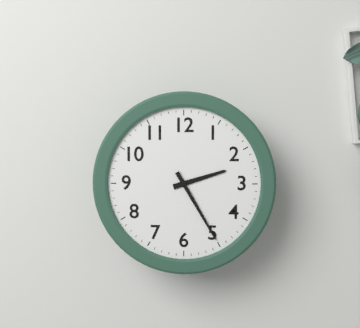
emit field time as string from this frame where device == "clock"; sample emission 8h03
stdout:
2h25
